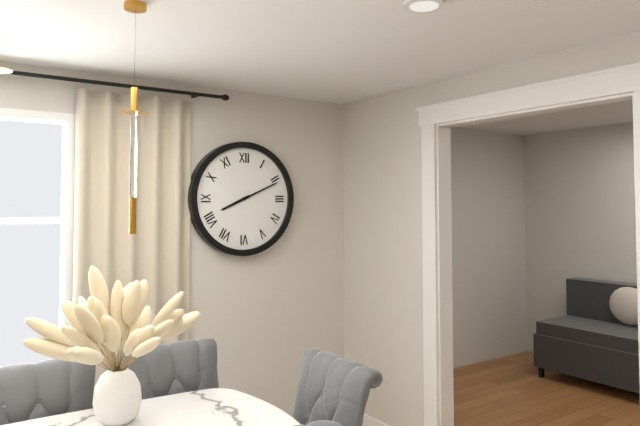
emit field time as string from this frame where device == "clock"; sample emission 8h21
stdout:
8h11
